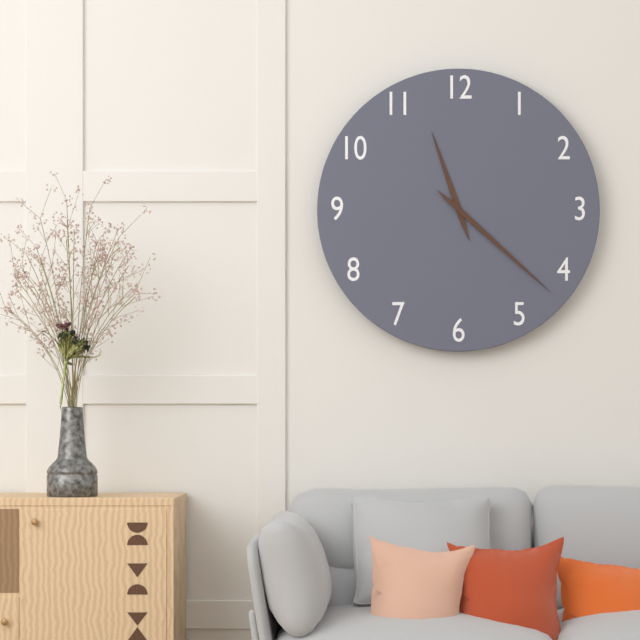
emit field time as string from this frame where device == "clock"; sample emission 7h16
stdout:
11h22
